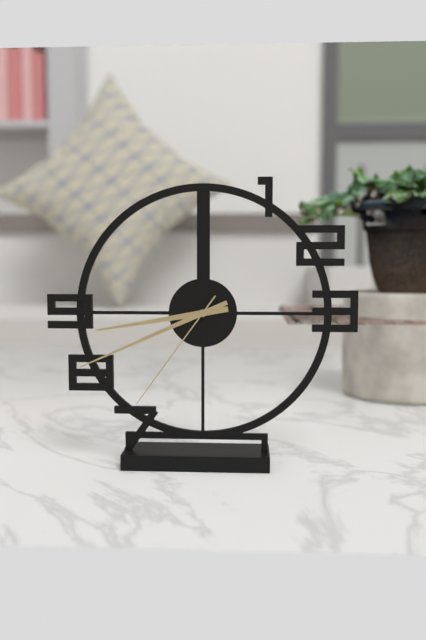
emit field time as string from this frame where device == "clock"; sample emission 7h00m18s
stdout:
8h41m36s
